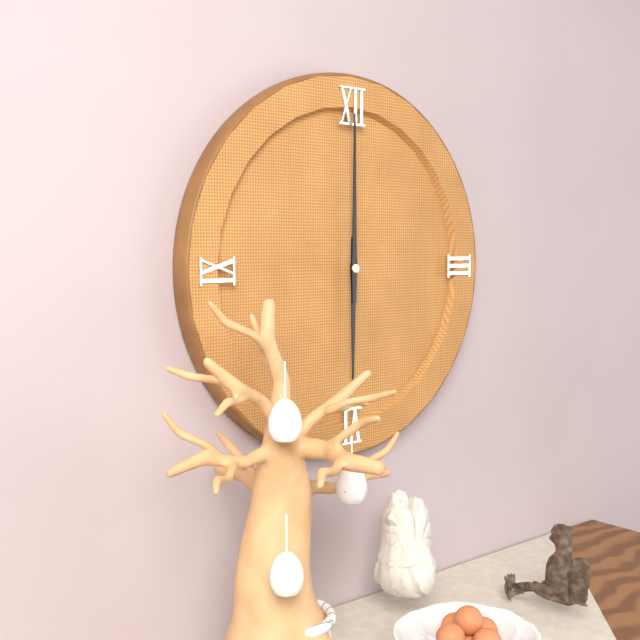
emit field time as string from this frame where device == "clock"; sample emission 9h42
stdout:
6h00
